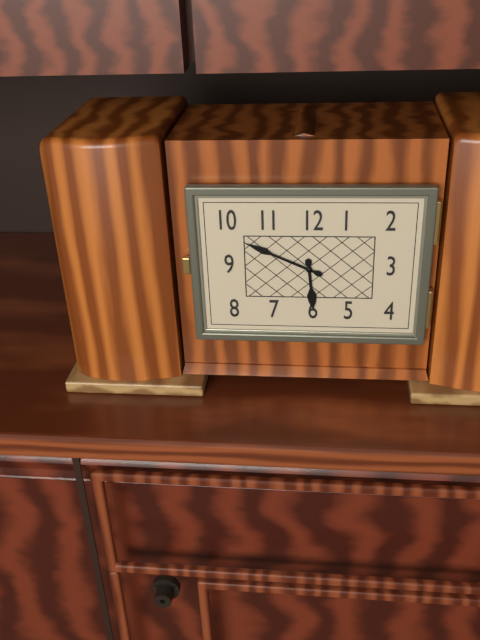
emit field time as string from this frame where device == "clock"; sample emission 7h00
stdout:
5h49
